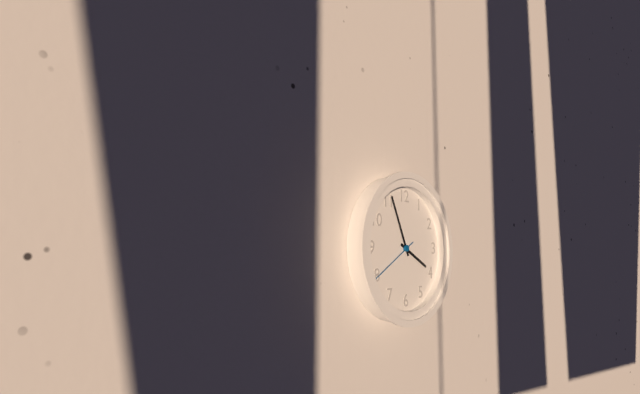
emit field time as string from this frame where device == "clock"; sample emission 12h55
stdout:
3h56
